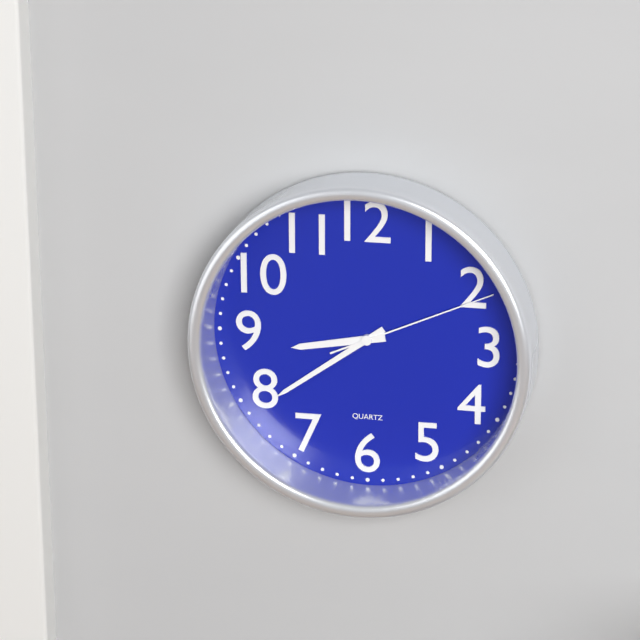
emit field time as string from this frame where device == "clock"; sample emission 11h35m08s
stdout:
8h39m11s
